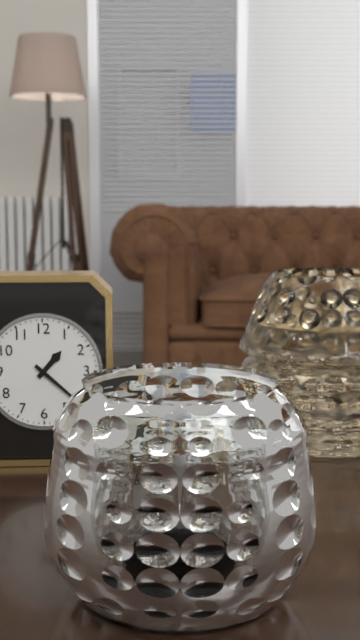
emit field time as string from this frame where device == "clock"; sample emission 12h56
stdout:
1h22
